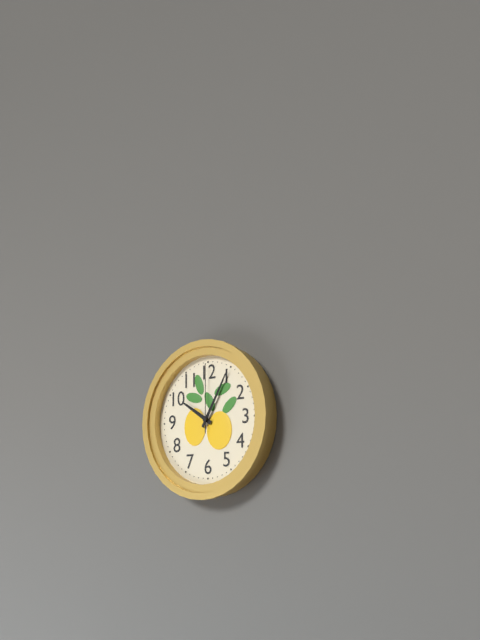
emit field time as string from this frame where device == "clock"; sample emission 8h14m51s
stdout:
10h05m00s
